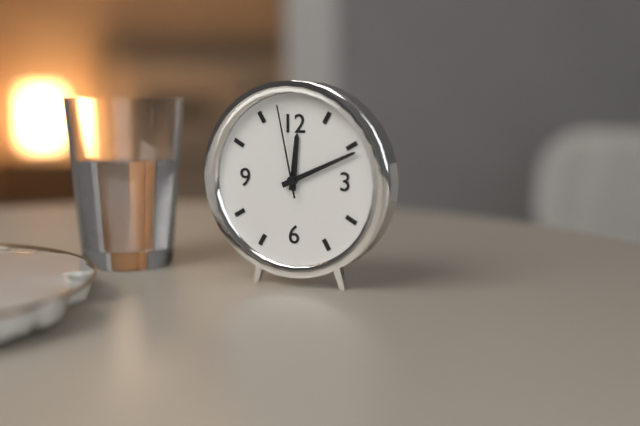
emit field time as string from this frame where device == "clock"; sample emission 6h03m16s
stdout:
12h11m58s
